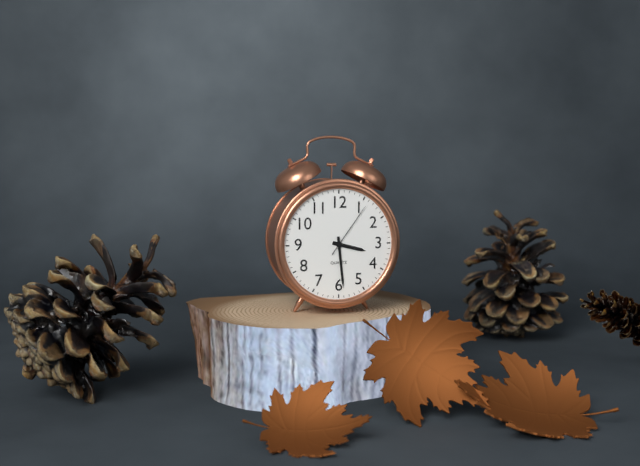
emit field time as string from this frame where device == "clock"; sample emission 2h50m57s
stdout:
3h29m06s
